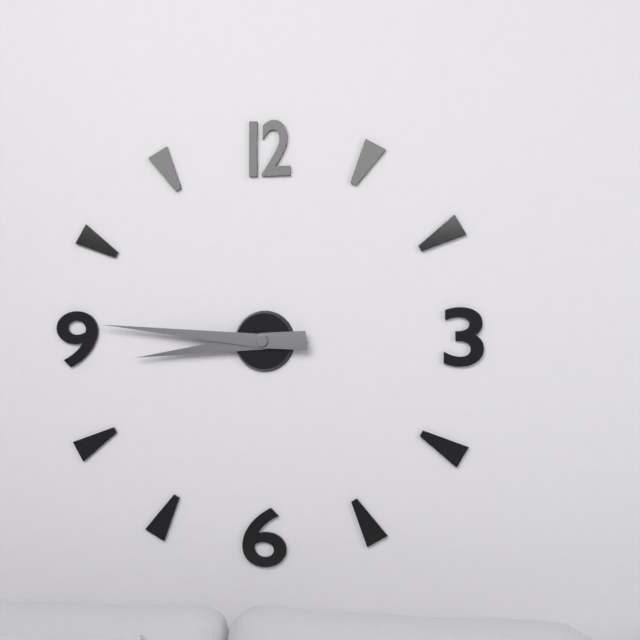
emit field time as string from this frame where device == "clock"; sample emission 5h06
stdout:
8h46
